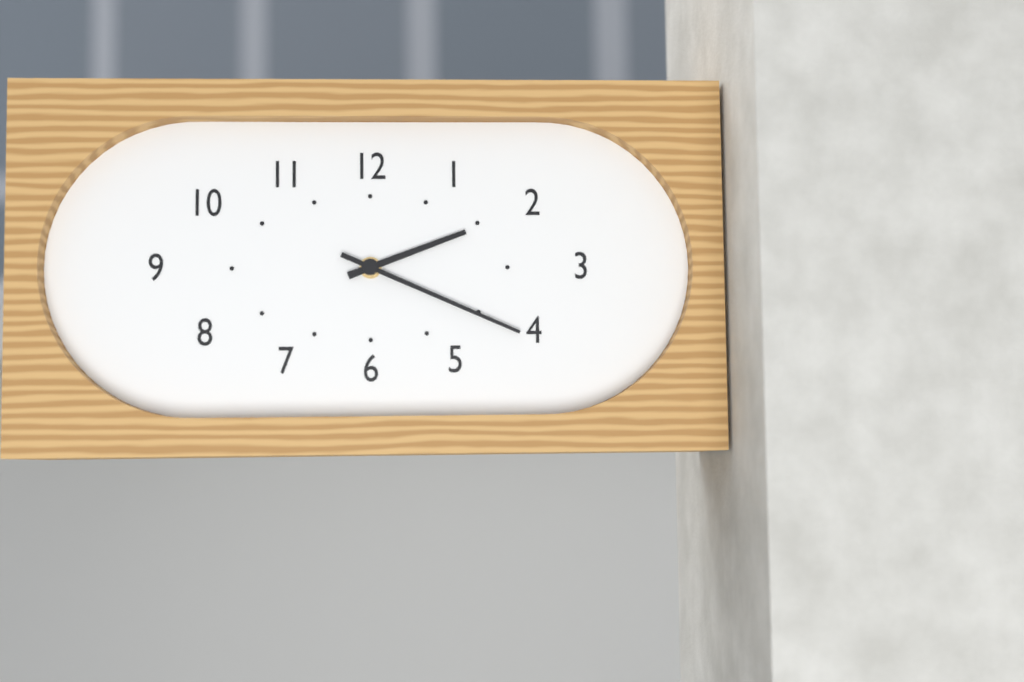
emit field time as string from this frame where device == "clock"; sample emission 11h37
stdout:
2h19
